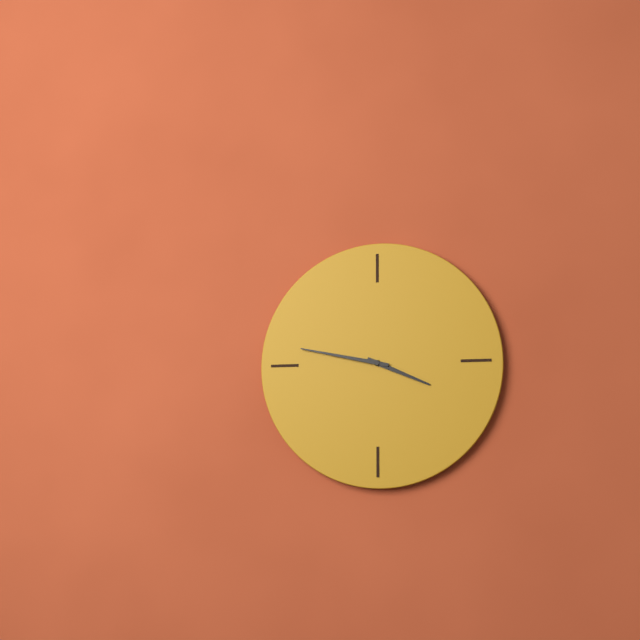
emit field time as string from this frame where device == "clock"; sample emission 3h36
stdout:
3h47
